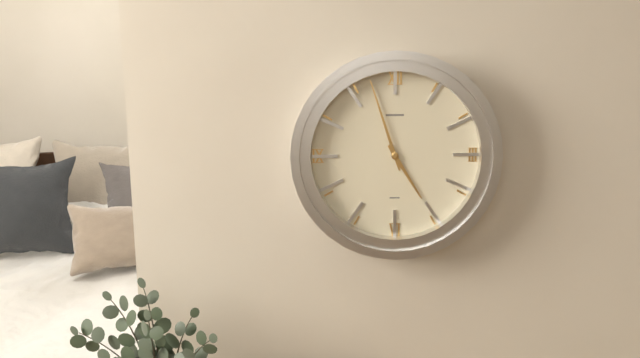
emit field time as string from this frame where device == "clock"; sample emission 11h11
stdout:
4h57
